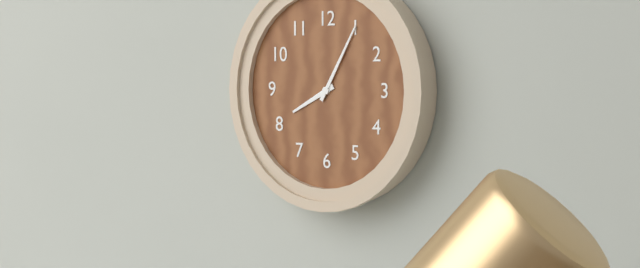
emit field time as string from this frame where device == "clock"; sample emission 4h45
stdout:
8h05
